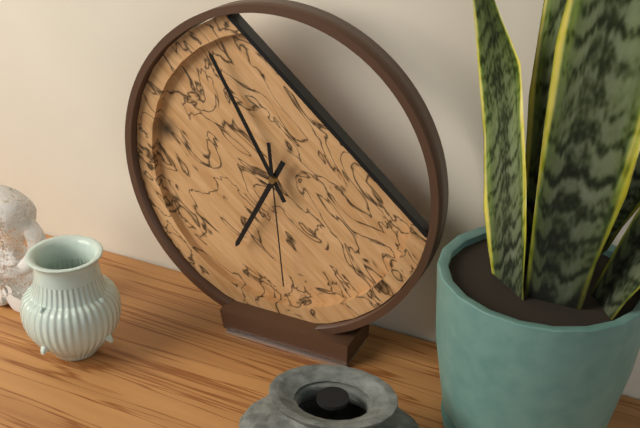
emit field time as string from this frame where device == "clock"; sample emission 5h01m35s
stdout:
6h55m29s
